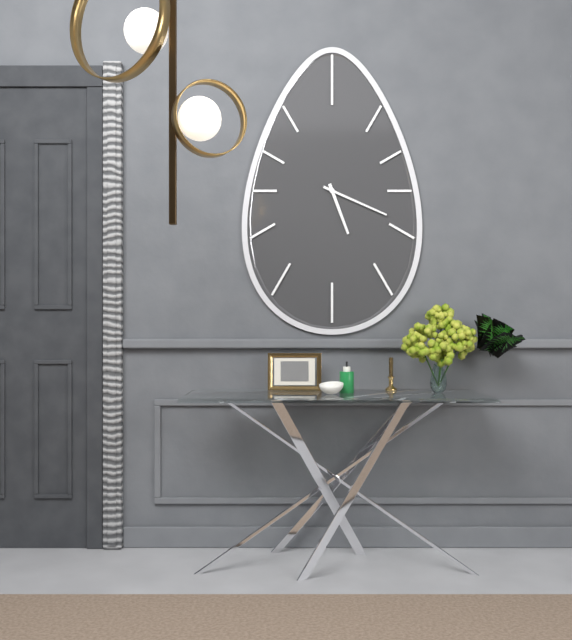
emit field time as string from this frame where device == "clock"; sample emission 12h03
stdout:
5h19
